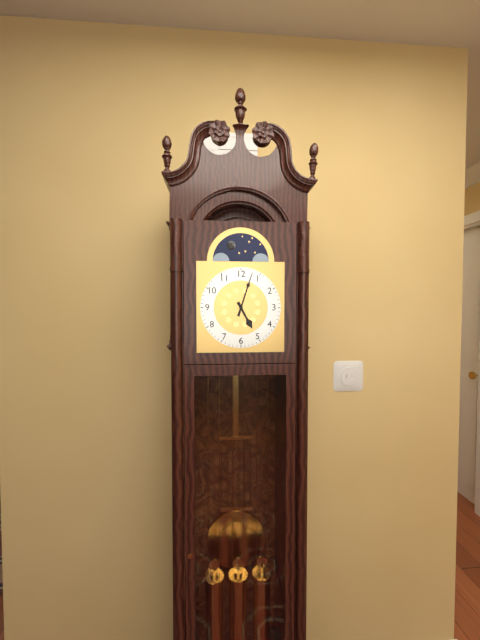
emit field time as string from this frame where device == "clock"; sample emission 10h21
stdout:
5h03
